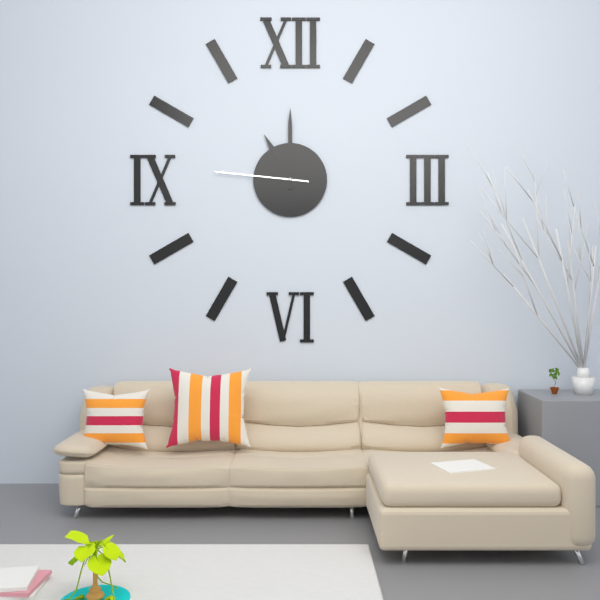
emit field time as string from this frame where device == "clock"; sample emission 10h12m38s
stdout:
11h00m46s
